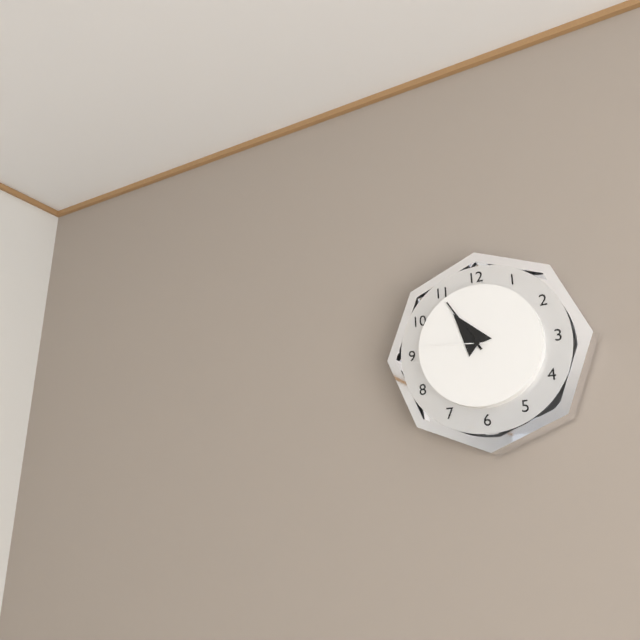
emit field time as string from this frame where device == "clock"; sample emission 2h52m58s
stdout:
10h55m46s
